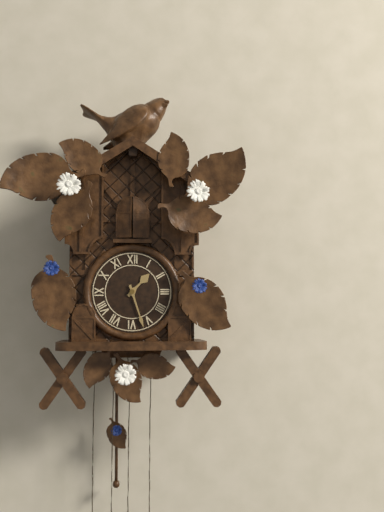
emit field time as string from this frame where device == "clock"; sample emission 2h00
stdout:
1h27
